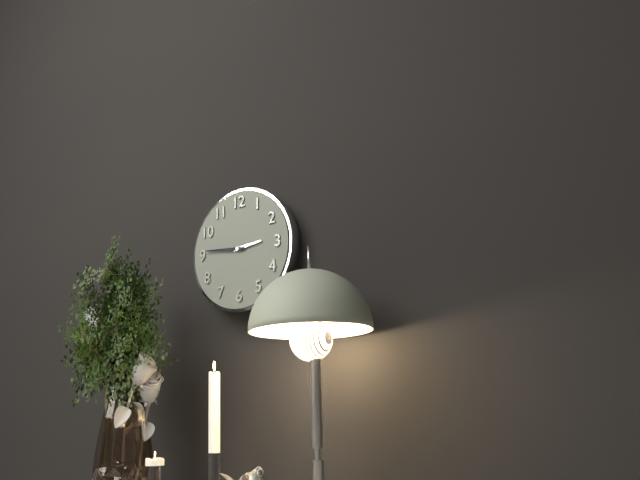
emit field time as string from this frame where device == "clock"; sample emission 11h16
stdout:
2h46
